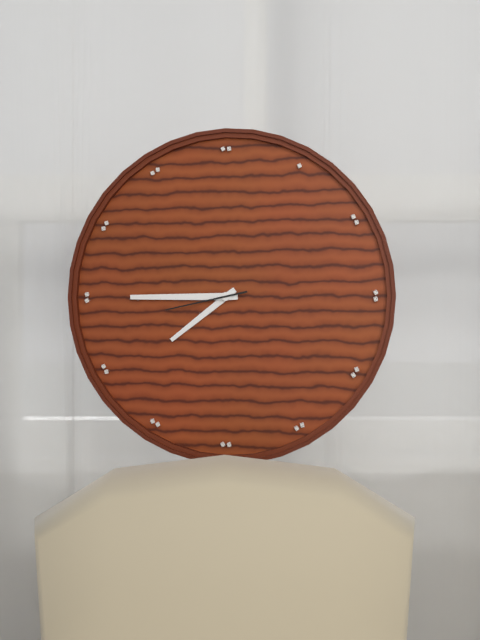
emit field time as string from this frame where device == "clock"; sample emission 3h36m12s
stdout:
7h45m43s
